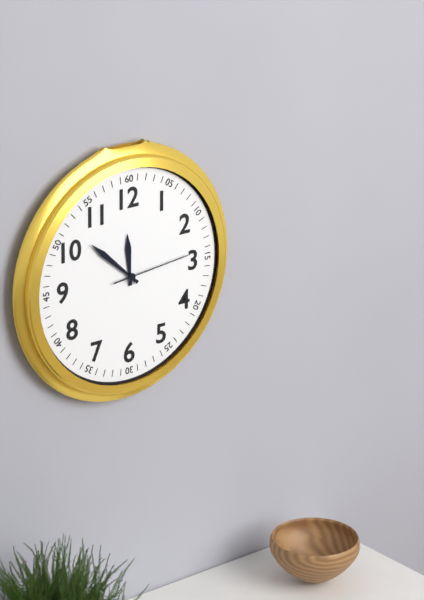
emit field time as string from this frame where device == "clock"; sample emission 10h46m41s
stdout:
11h52m14s
